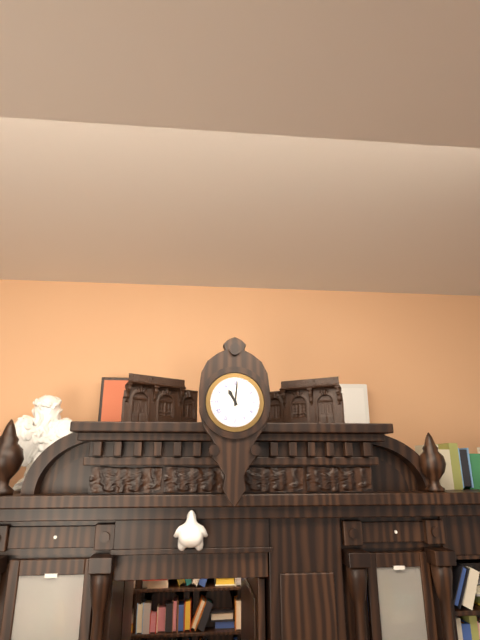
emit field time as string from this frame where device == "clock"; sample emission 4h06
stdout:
11h01
